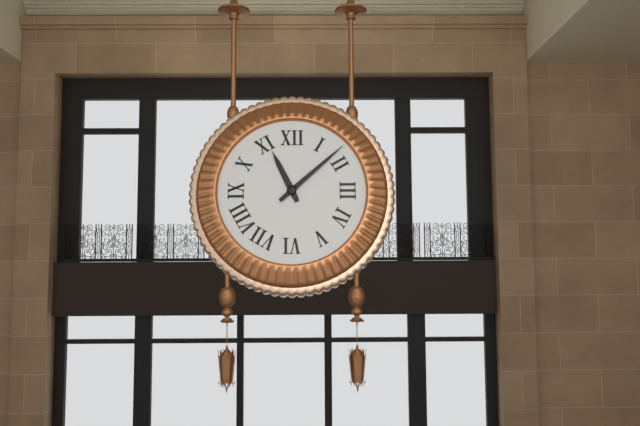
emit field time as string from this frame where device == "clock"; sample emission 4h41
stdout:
11h08
